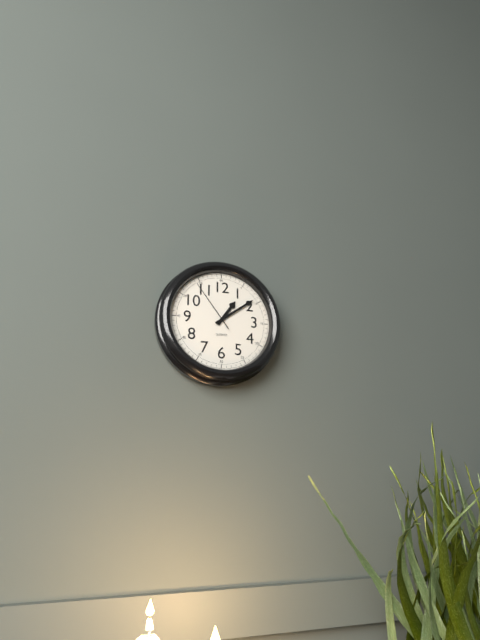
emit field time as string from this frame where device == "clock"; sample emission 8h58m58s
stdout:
1h09m54s
